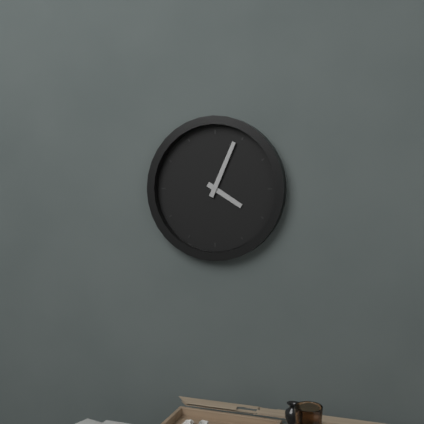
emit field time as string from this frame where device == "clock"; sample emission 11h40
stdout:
4h04
